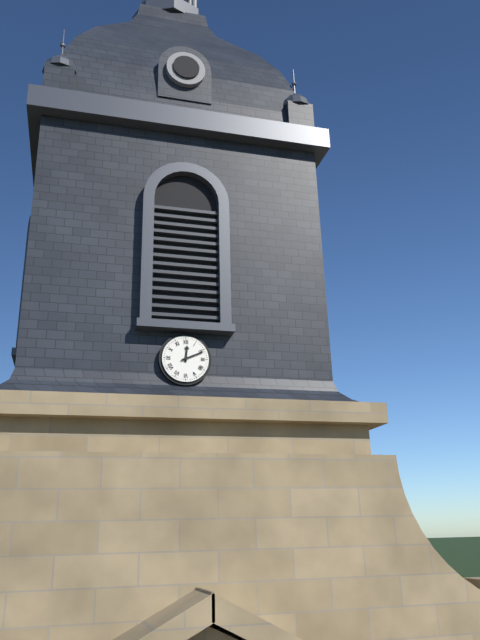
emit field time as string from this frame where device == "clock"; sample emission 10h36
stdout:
12h11
